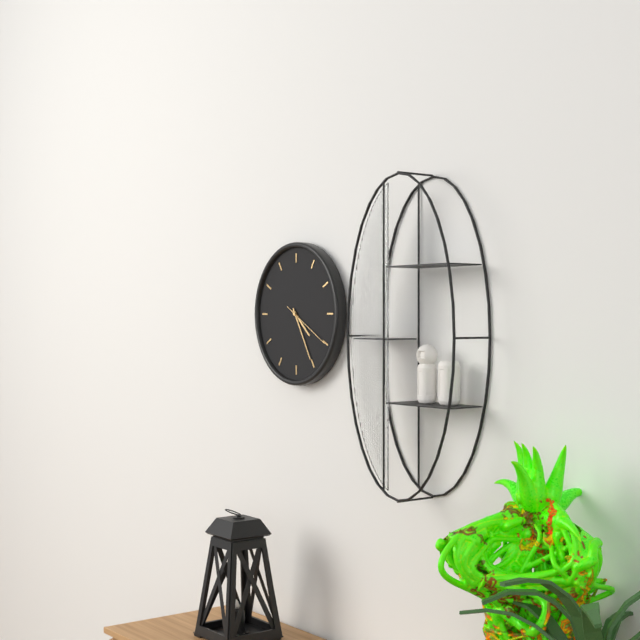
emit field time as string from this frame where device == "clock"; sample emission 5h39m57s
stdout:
4h25m20s
